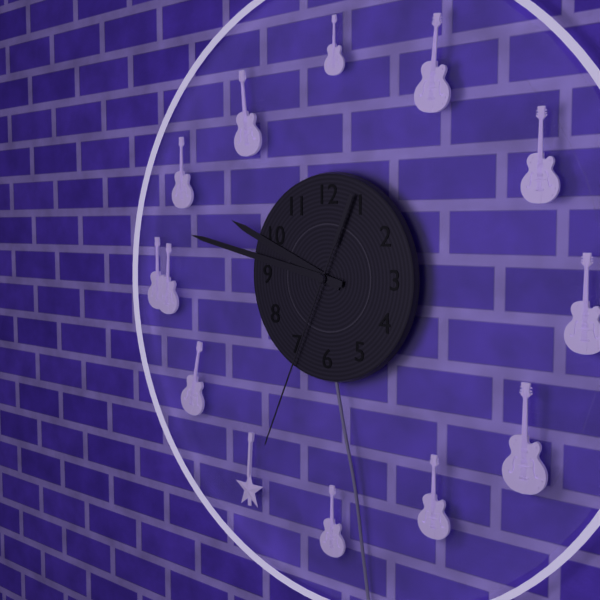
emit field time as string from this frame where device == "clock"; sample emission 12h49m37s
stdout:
9h47m34s
